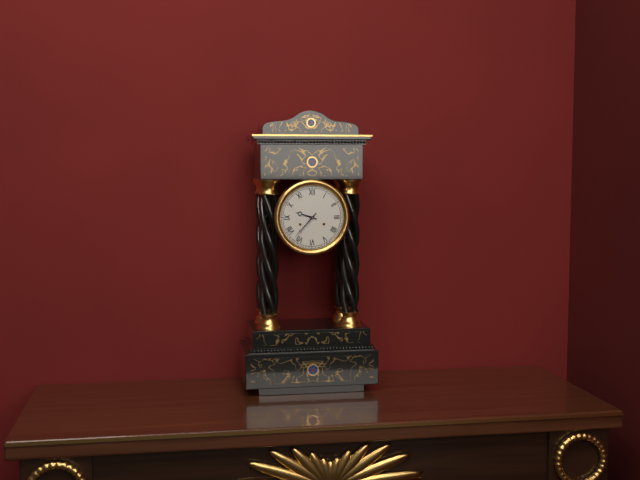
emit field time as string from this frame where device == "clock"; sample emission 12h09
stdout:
9h37
